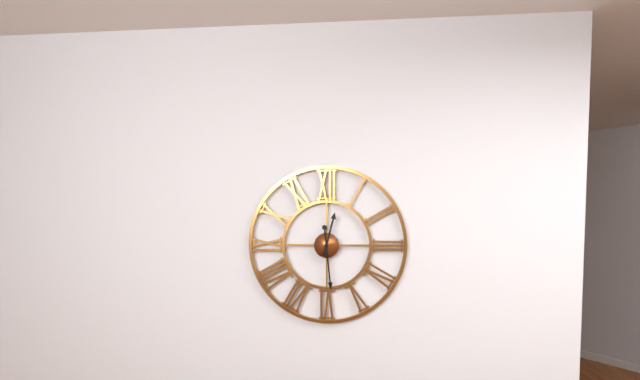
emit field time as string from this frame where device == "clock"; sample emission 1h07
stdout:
12h29
